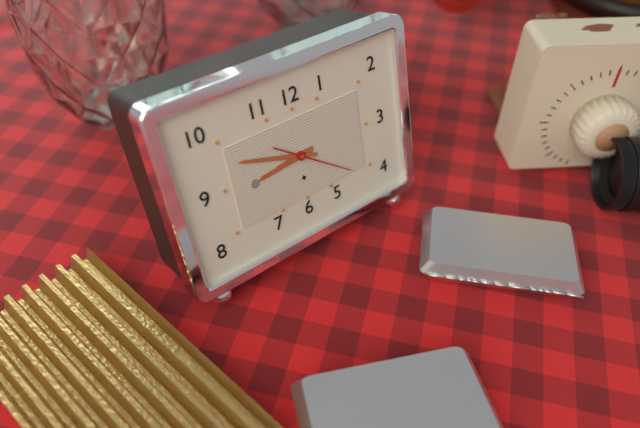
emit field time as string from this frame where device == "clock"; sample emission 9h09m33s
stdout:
8h48m21s
